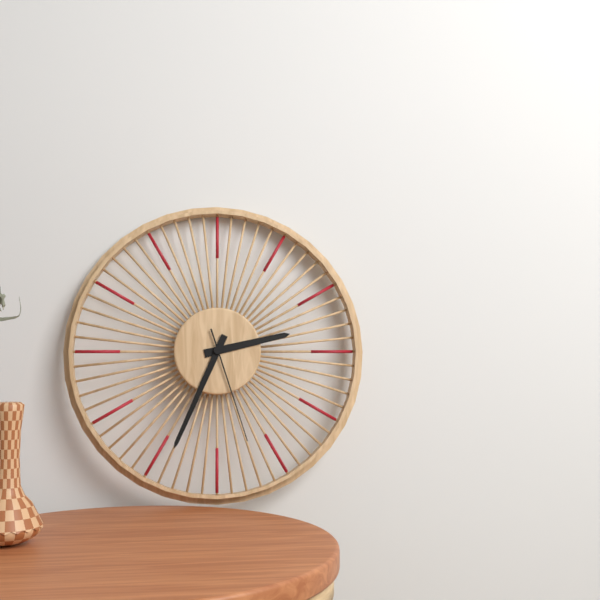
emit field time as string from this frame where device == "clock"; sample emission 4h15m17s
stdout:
2h34m27s
